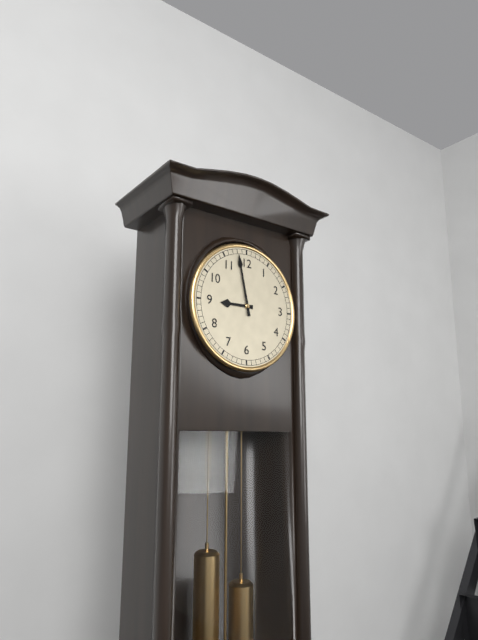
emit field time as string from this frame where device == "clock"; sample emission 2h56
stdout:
8h58
